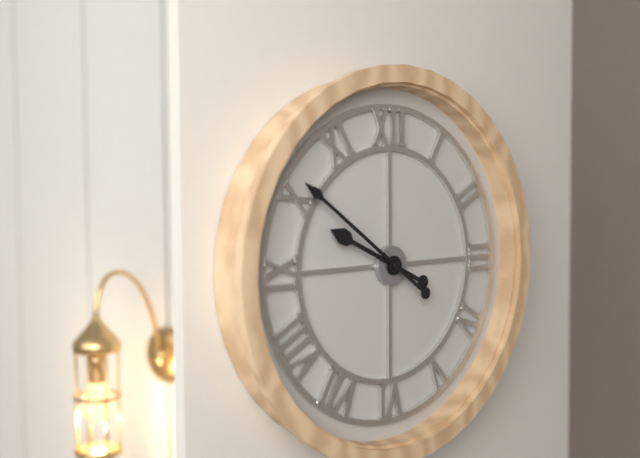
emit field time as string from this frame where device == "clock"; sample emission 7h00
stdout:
9h51
